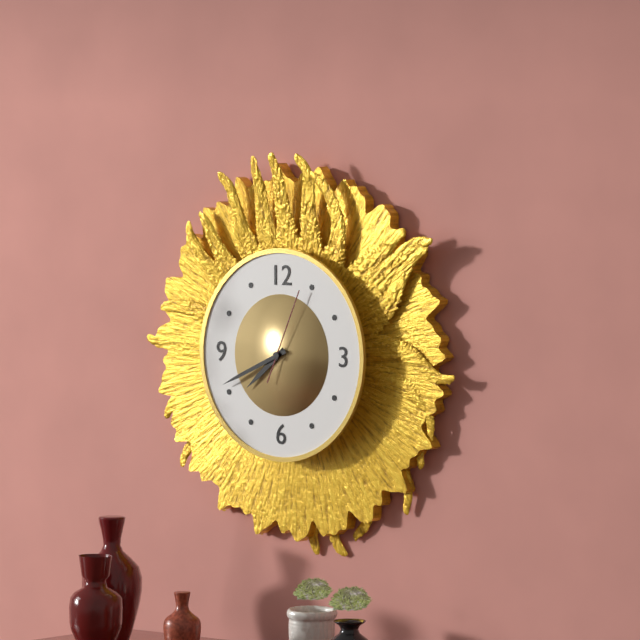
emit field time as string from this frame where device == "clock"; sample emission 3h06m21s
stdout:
7h41m04s
